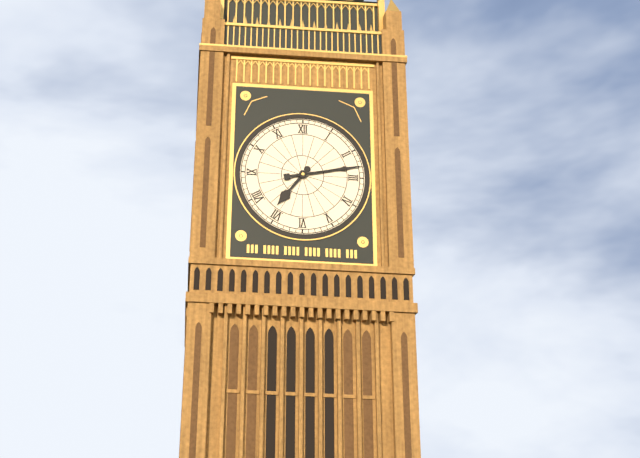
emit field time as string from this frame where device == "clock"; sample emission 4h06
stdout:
7h13
